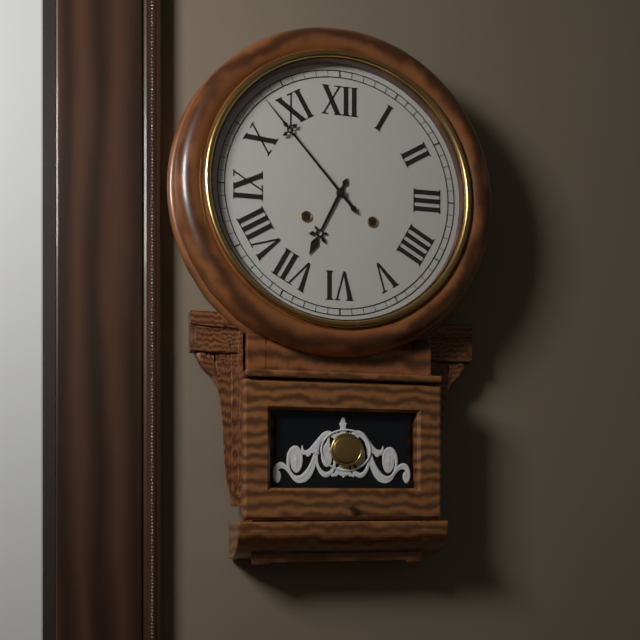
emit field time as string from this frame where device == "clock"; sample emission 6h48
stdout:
6h53
